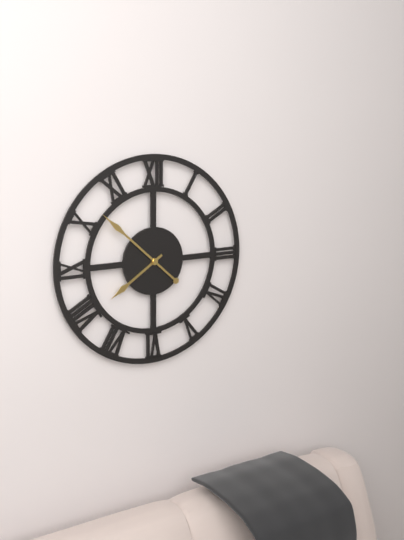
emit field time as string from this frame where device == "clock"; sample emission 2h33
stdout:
7h52
